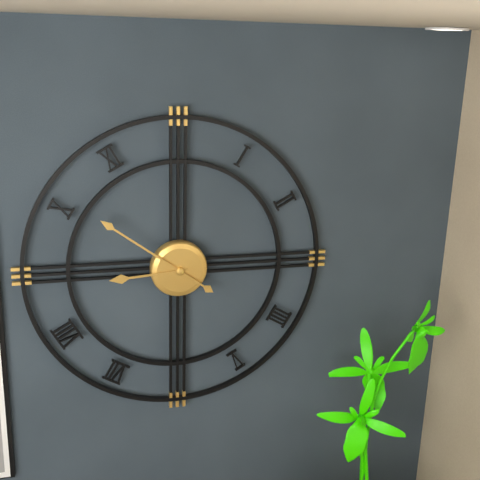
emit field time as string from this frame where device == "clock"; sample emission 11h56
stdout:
8h51
